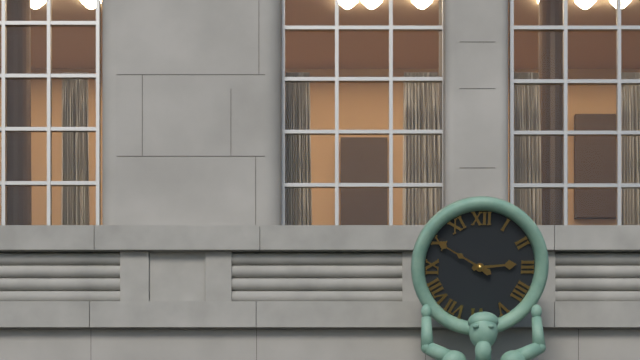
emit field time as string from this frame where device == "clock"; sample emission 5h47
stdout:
2h50
